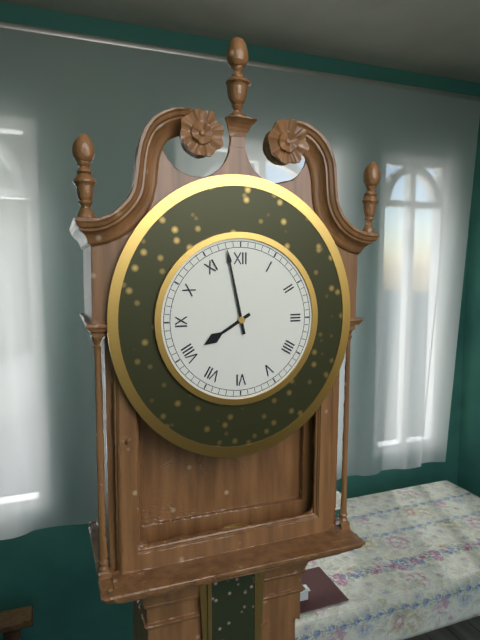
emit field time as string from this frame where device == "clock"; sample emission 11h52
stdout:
7h58
